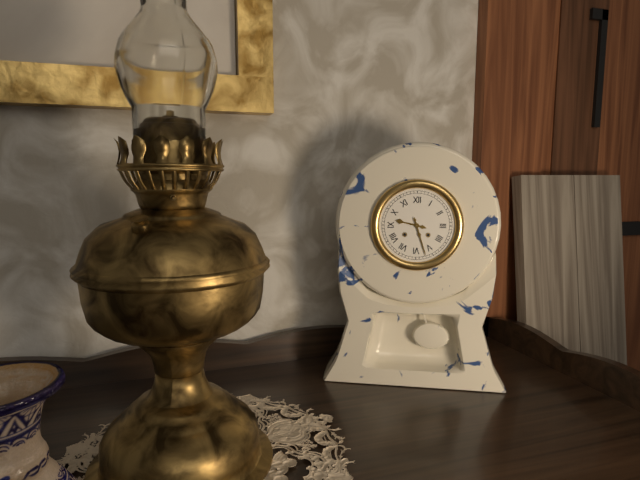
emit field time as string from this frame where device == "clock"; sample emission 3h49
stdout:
9h27
